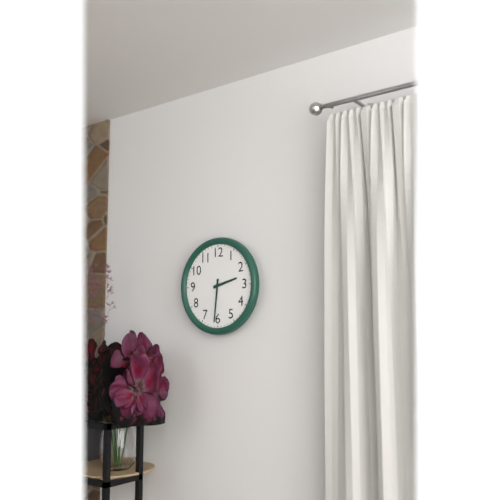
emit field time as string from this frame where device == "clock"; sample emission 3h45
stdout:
2h31
